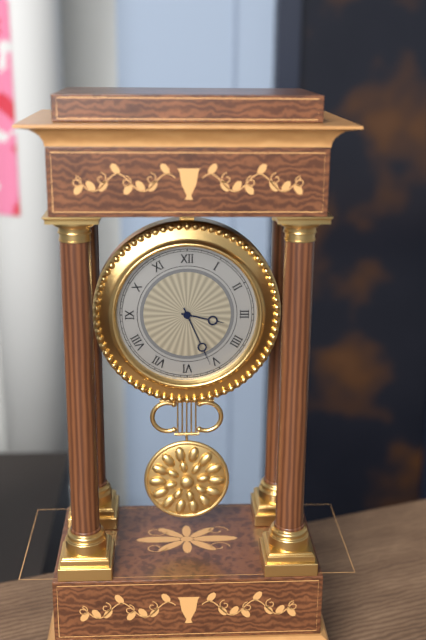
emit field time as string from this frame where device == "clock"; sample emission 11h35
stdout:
3h26
